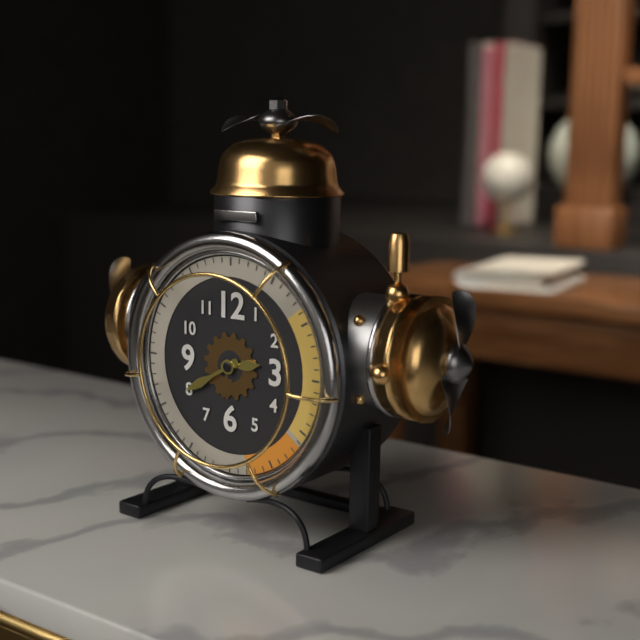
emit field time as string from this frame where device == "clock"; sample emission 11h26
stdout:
2h40
